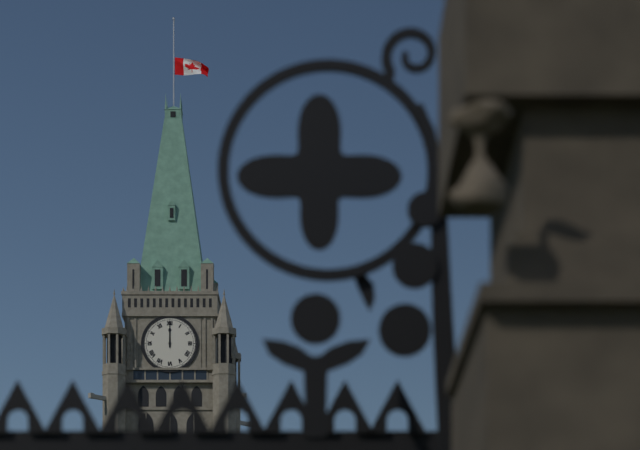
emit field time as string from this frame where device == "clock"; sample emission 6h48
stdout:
12h00
